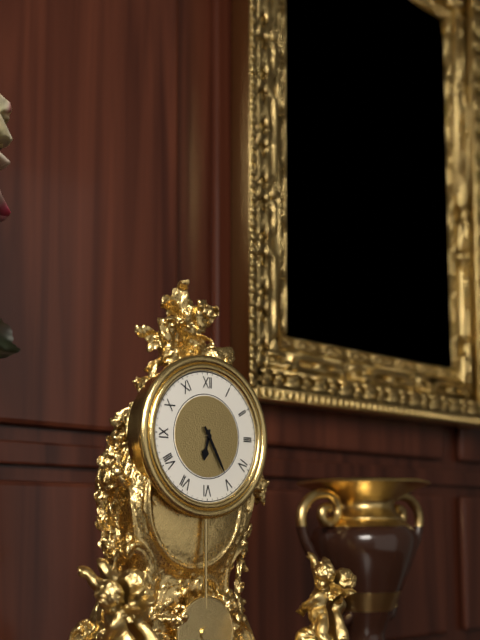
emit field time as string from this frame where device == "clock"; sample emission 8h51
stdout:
6h25
